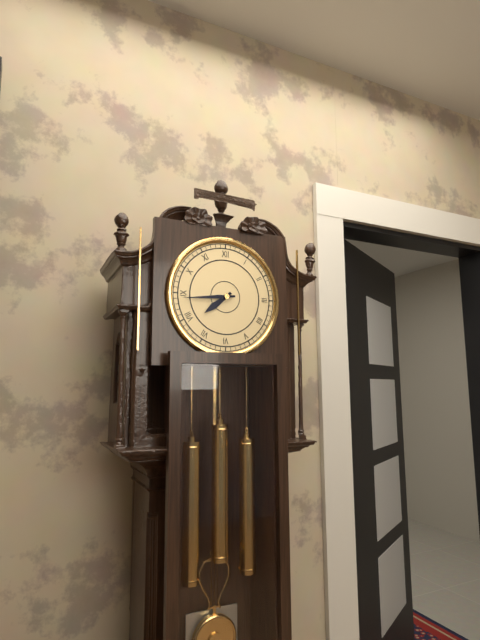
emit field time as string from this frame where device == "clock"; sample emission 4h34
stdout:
7h44
